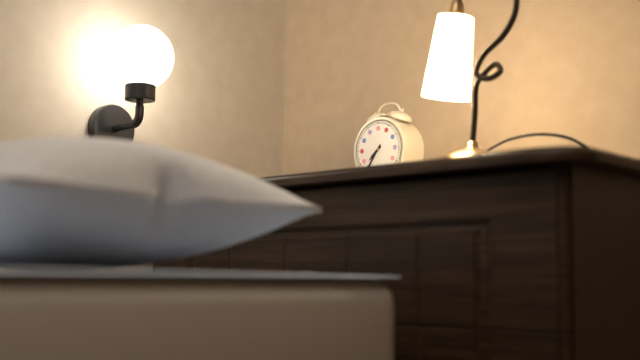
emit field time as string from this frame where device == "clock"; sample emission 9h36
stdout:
7h36
